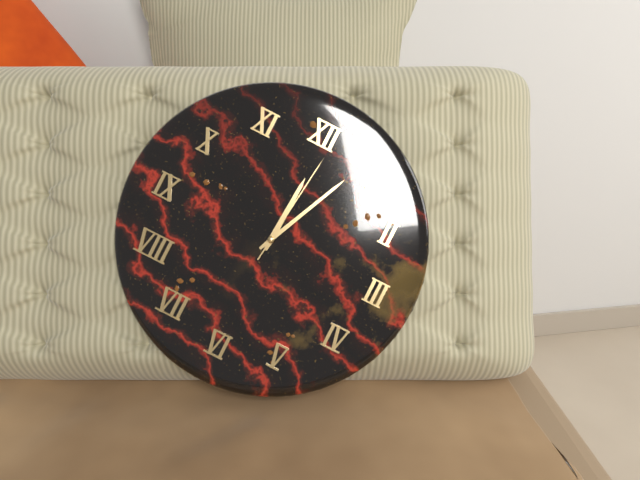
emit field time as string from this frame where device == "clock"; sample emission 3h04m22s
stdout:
12h04m01s
